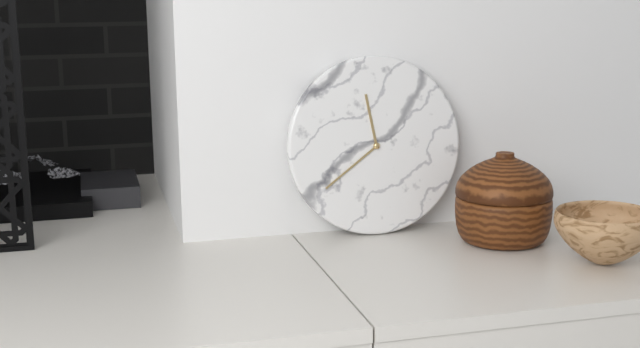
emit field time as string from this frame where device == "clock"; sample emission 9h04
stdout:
11h39
